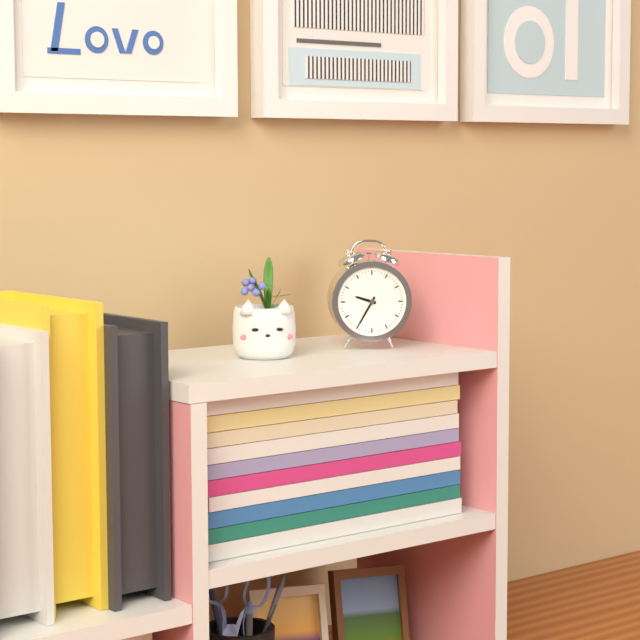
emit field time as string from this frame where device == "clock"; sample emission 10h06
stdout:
9h35
